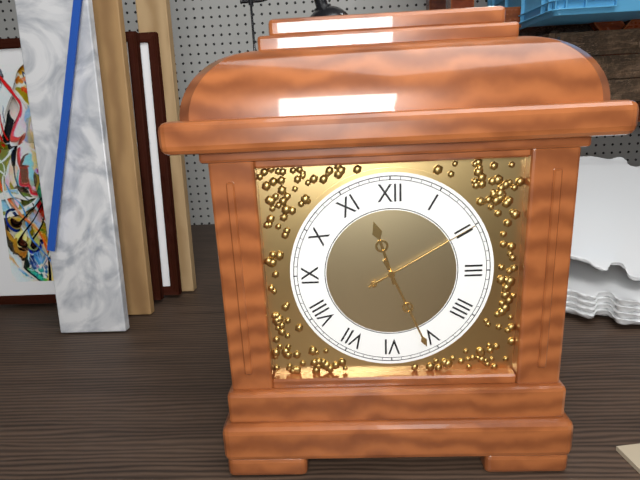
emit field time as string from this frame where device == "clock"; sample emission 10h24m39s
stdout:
11h26m10s
